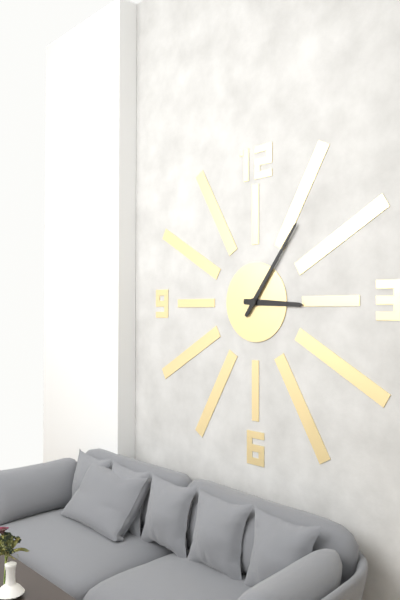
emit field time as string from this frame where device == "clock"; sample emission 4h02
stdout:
3h06
